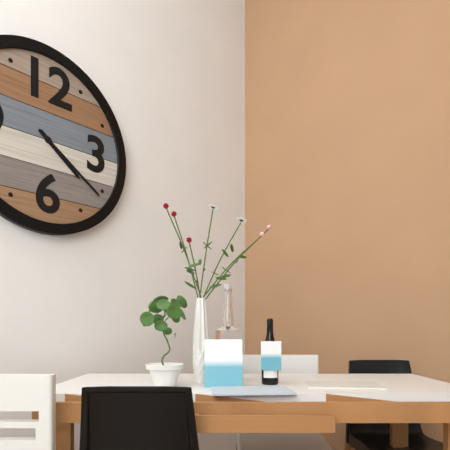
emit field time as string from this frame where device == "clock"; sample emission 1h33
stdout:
4h21
